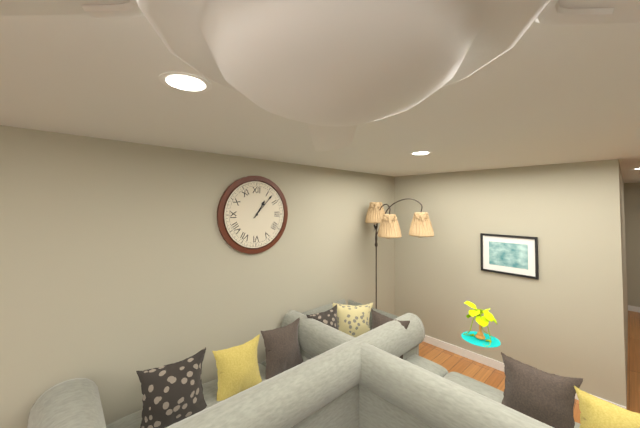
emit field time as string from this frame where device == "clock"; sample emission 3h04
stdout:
1h07
